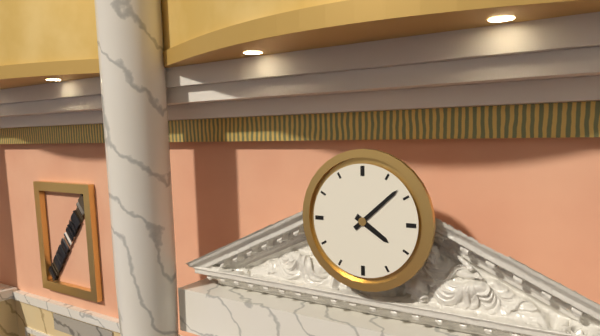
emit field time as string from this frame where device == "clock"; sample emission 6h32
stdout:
4h08
